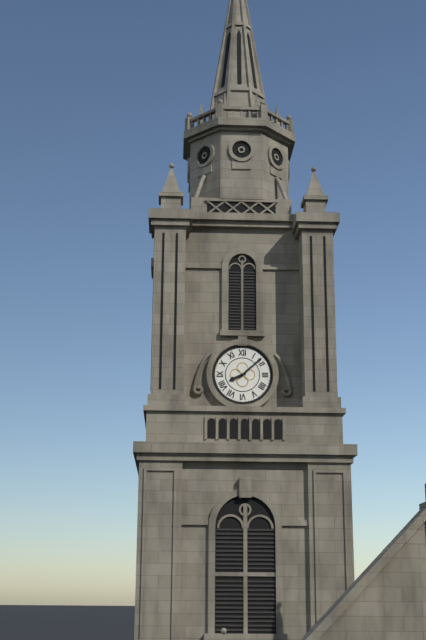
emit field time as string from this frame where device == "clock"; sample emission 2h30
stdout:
8h08
